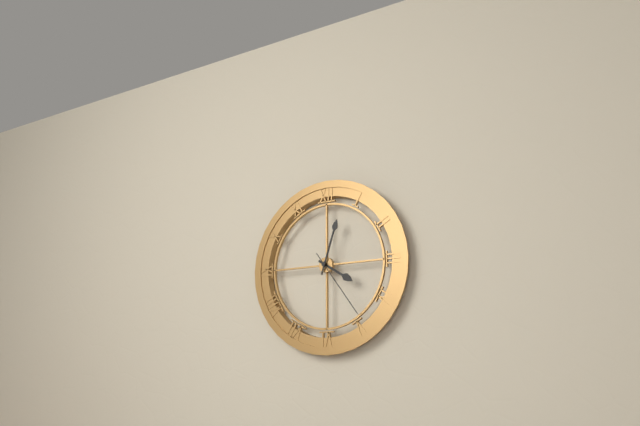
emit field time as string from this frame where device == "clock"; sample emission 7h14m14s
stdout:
4h03m24s
